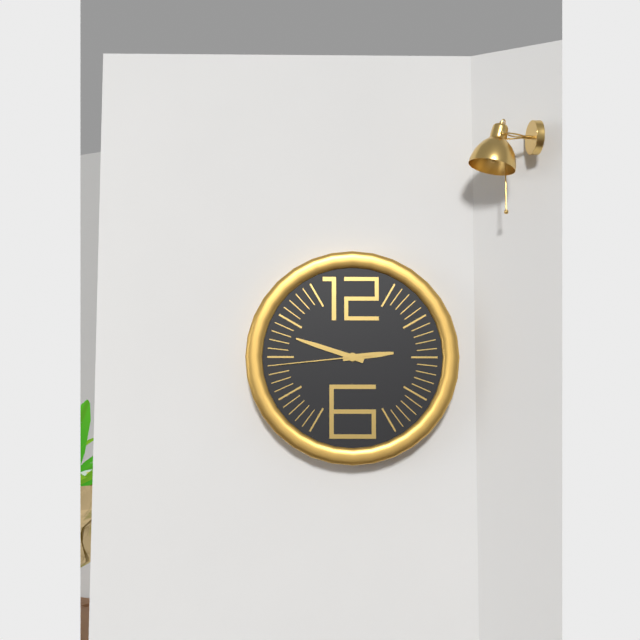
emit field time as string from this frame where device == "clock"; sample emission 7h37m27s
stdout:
2h48m44s
